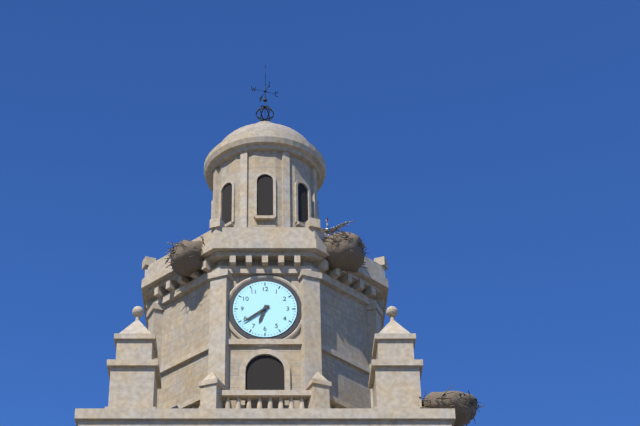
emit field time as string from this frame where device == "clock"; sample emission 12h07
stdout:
6h39
